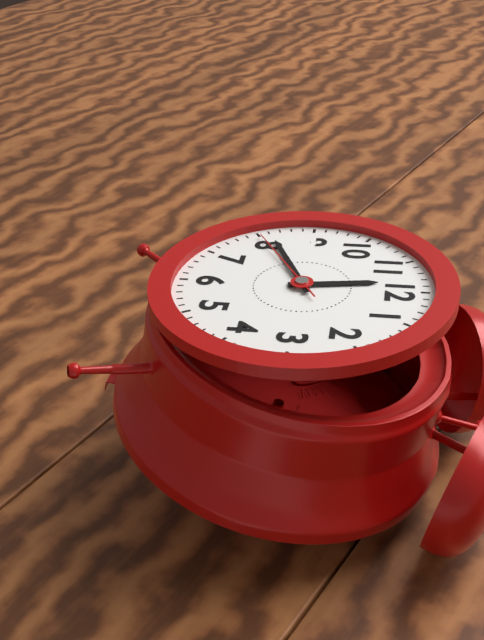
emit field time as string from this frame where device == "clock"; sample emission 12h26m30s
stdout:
11h41m40s
